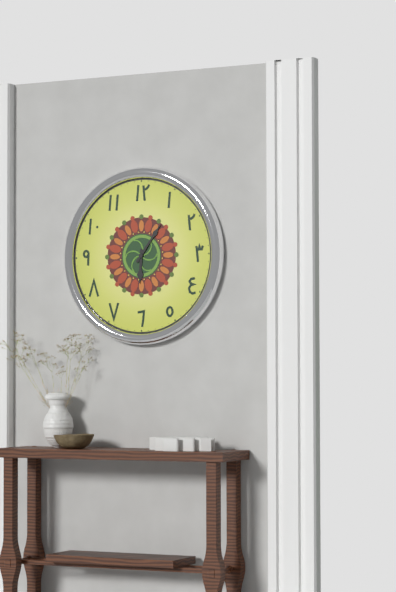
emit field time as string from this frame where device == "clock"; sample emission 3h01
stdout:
6h06
